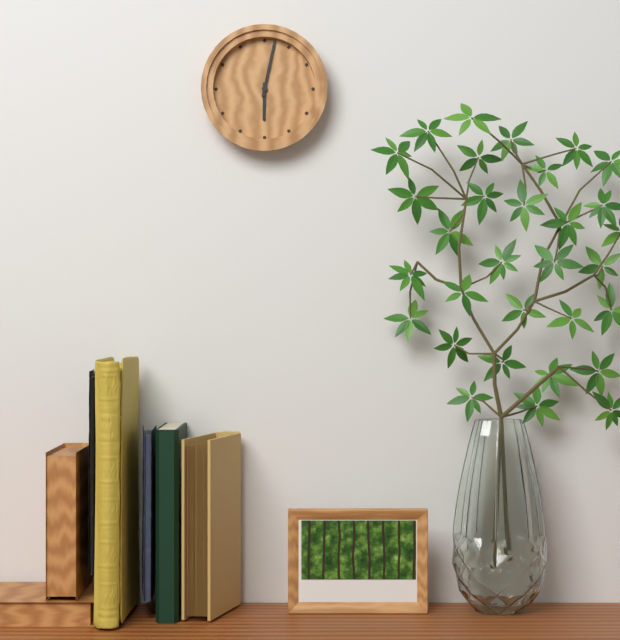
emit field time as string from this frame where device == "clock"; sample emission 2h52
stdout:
6h02
